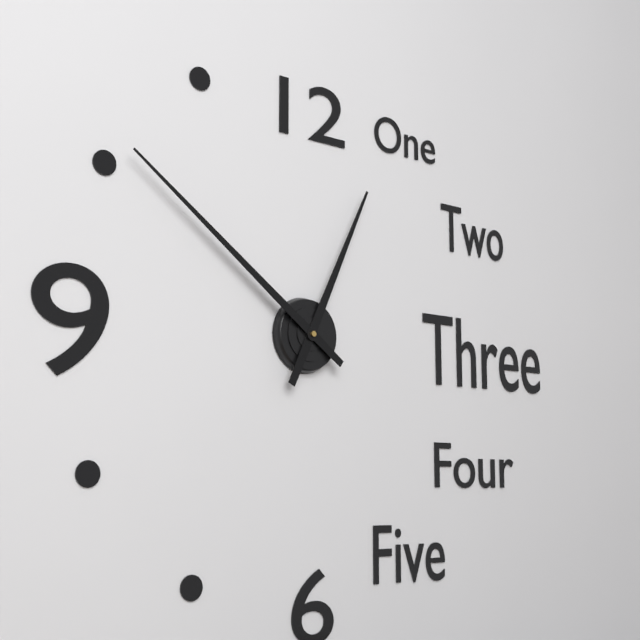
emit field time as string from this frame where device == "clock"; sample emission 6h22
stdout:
12h51
